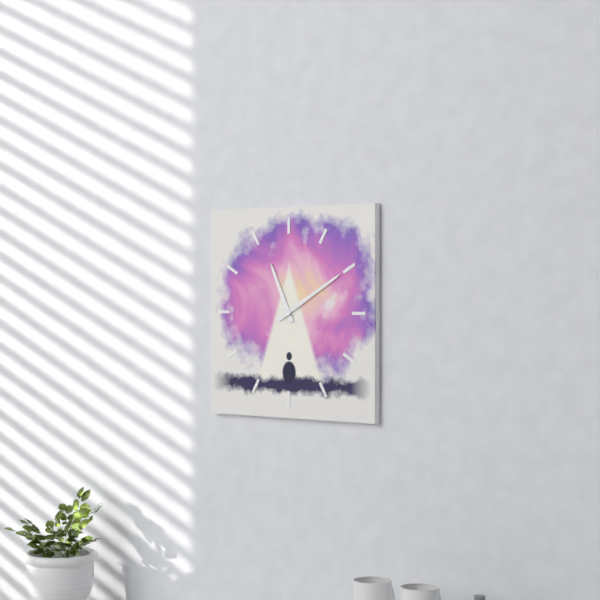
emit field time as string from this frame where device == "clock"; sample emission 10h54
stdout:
11h10
